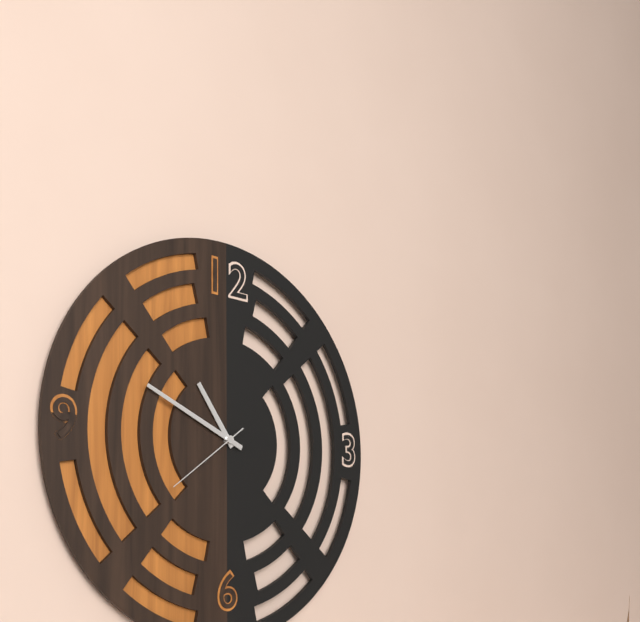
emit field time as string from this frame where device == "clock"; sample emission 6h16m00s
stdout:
10h49m39s
